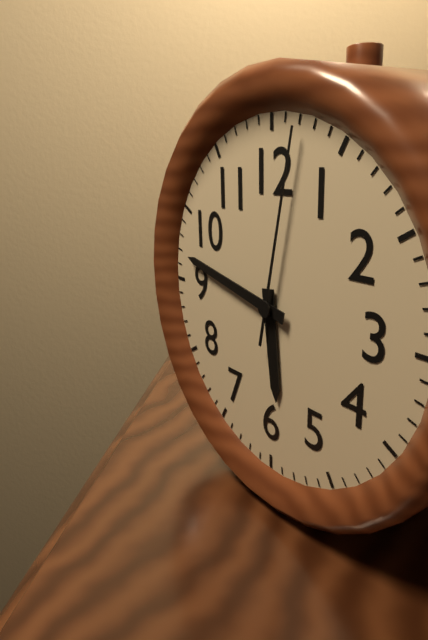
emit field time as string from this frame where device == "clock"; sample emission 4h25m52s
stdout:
5h47m02s
